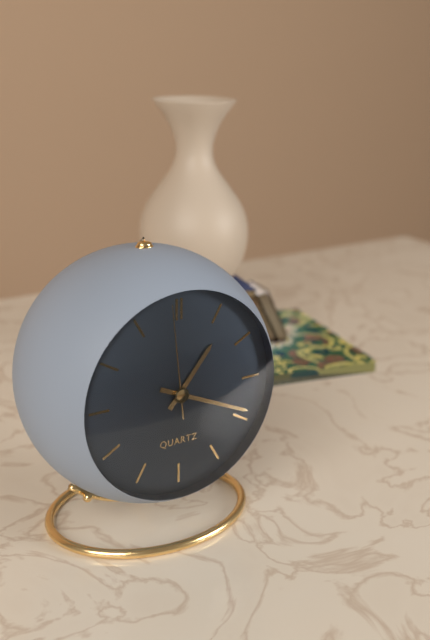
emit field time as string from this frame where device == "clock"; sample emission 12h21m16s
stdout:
1h19m59s
